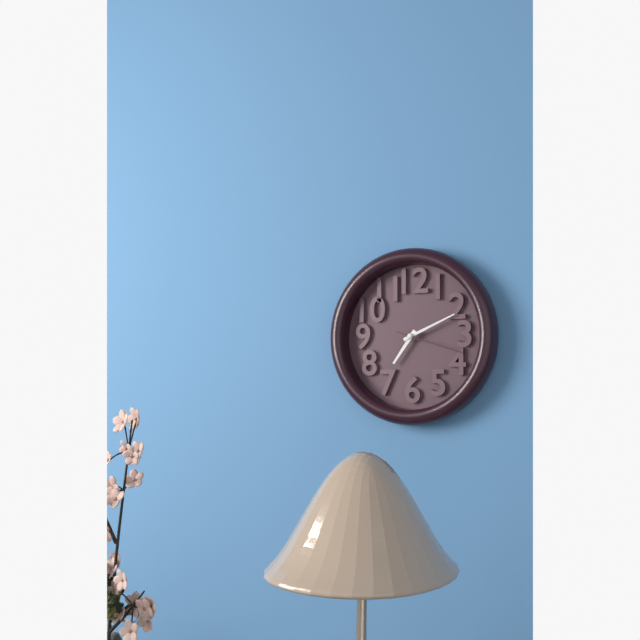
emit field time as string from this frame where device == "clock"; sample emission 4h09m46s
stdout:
7h11m18s
